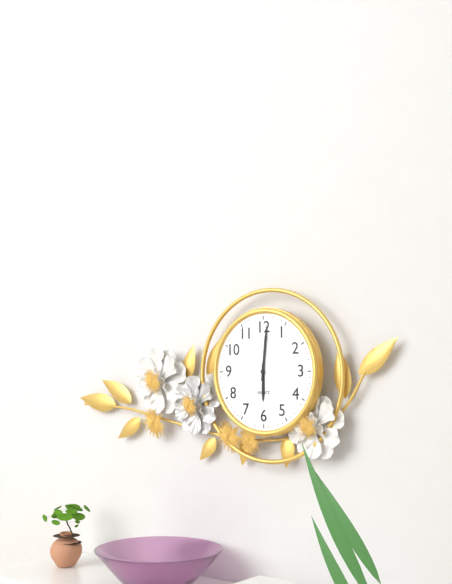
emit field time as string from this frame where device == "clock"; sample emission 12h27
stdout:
6h01
